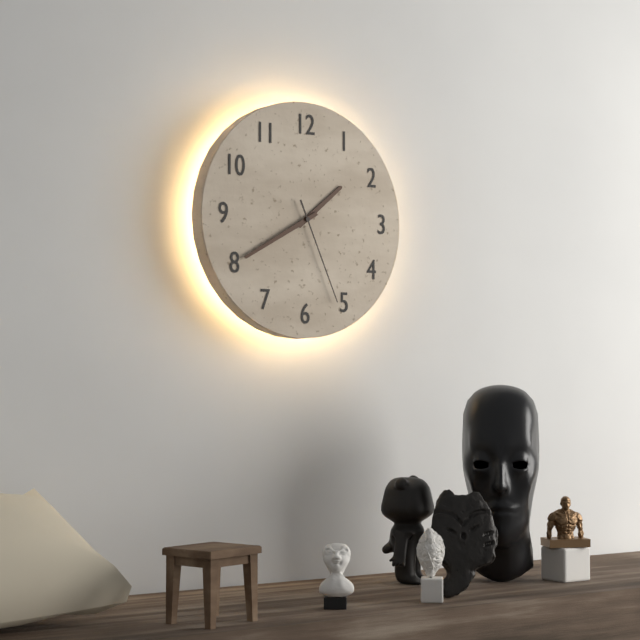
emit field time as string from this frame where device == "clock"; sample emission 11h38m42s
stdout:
1h40m26s
